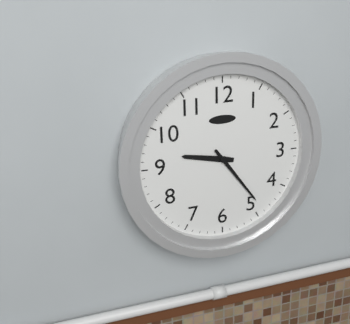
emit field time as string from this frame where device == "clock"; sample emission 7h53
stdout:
9h24
